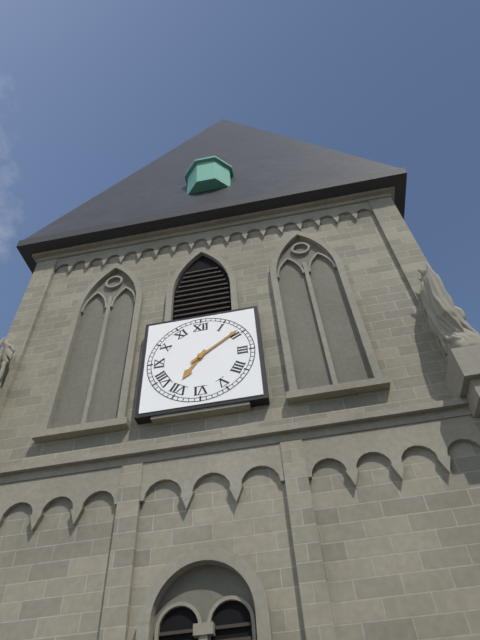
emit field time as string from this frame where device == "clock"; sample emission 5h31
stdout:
7h09
